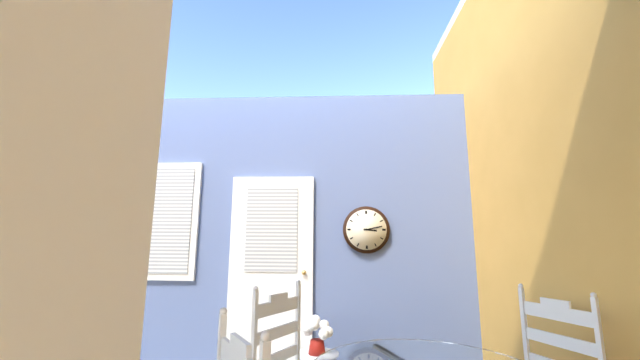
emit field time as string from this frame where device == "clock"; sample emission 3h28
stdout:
3h13
